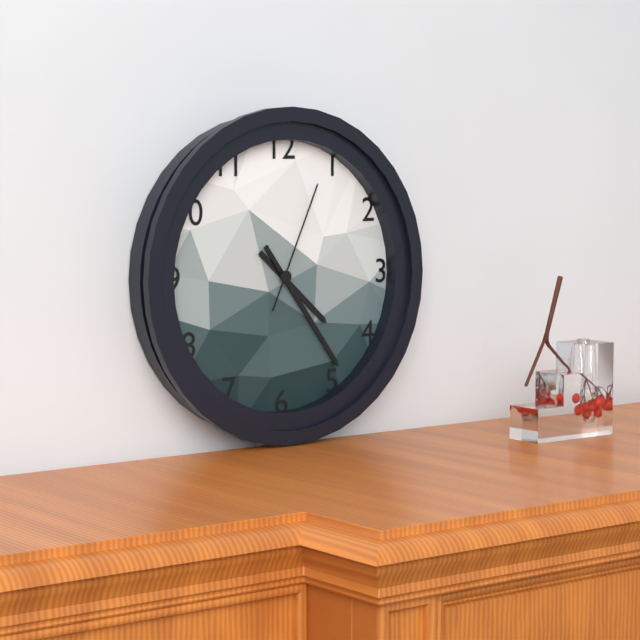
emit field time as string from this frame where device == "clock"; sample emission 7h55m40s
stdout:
4h24m04s
